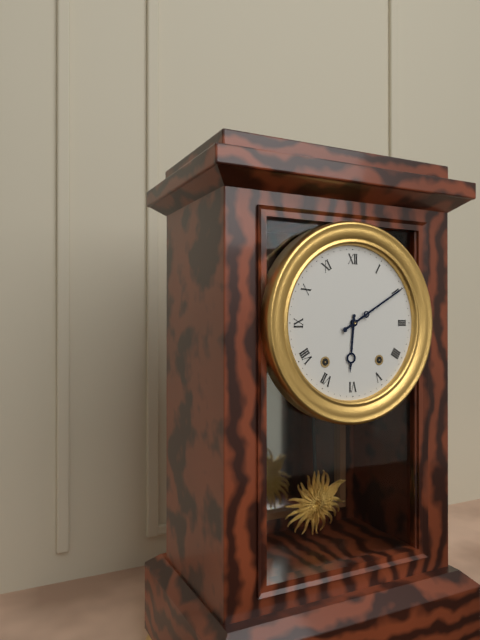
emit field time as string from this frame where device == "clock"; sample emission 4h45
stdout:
6h10
